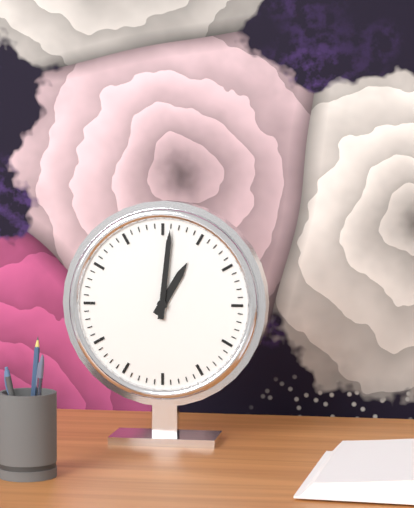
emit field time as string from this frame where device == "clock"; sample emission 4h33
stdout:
1h01
